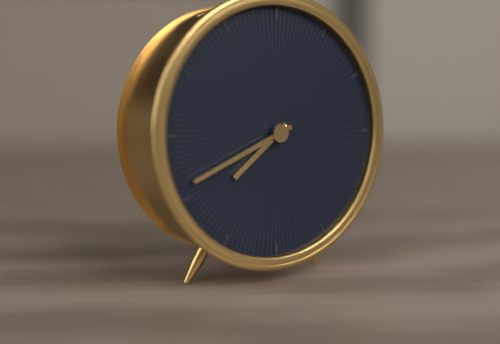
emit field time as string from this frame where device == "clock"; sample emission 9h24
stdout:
7h41
